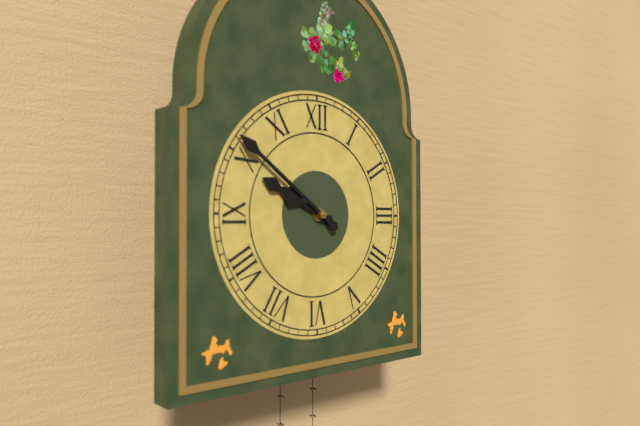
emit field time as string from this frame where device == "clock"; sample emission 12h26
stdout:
9h51
